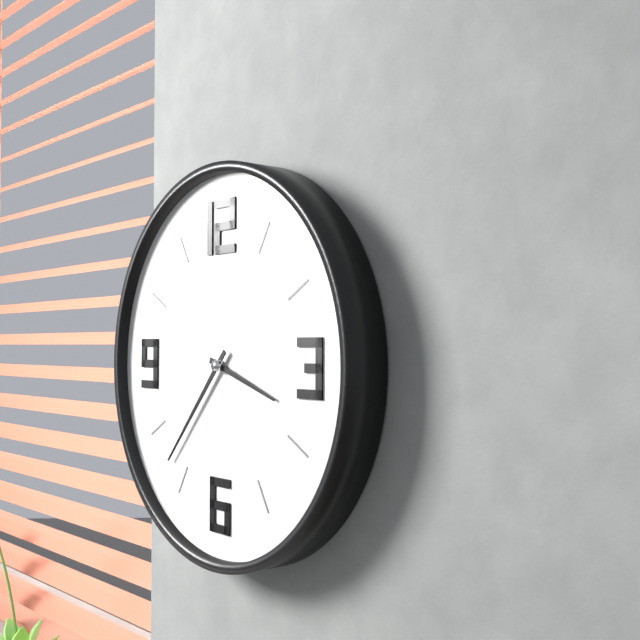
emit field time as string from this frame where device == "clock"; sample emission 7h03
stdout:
3h37
